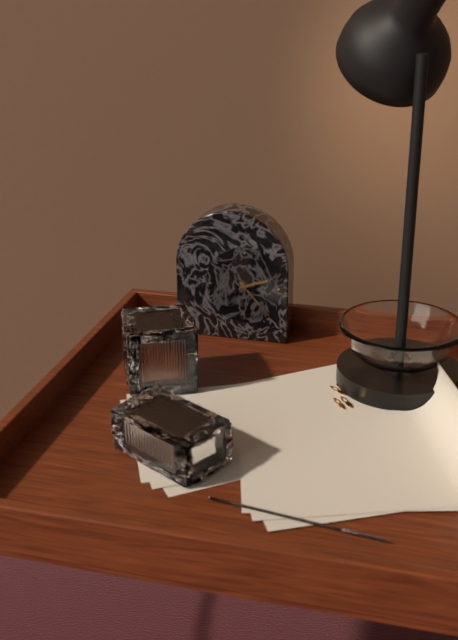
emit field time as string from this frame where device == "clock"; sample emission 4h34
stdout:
2h23
